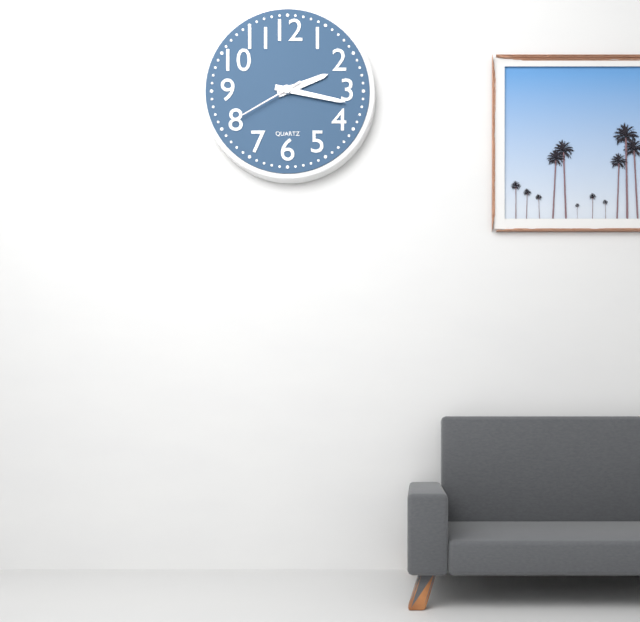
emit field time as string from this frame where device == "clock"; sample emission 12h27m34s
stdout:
2h17m40s
